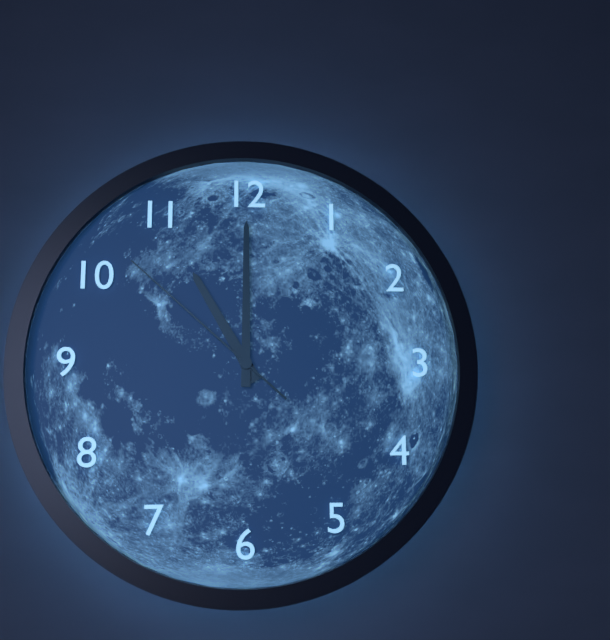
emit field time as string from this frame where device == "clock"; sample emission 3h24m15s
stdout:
11h00m52s
